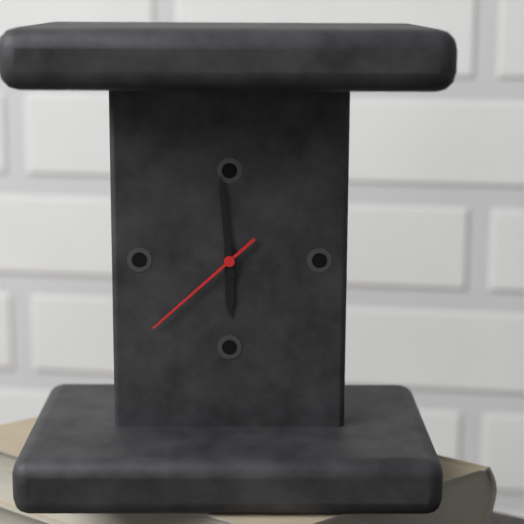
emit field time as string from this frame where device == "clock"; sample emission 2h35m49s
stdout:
5h59m38s
